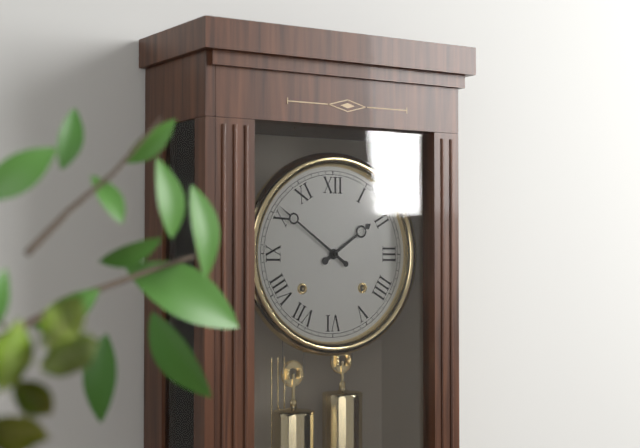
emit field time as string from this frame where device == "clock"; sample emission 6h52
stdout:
1h51
